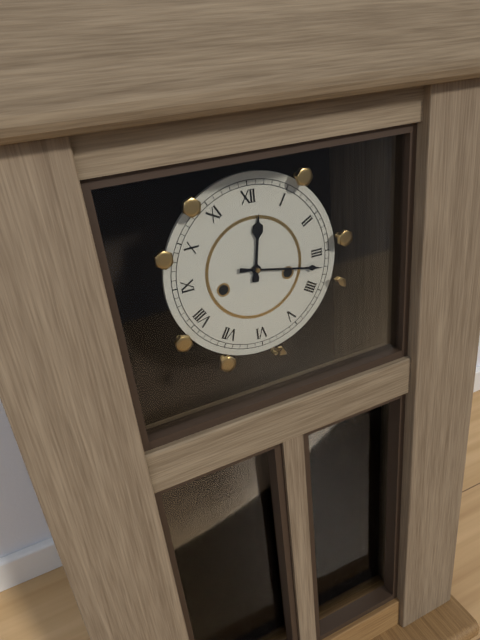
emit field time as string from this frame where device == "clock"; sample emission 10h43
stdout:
12h17
